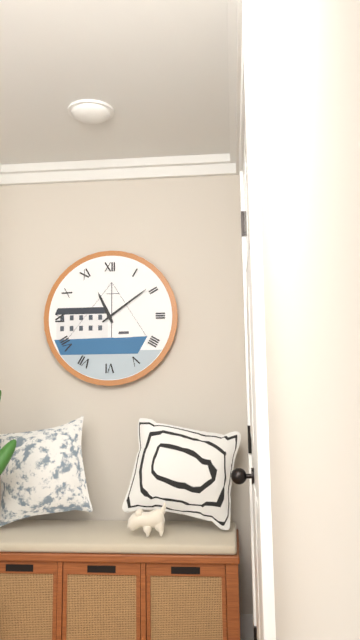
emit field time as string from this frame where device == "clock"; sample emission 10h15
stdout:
11h09
